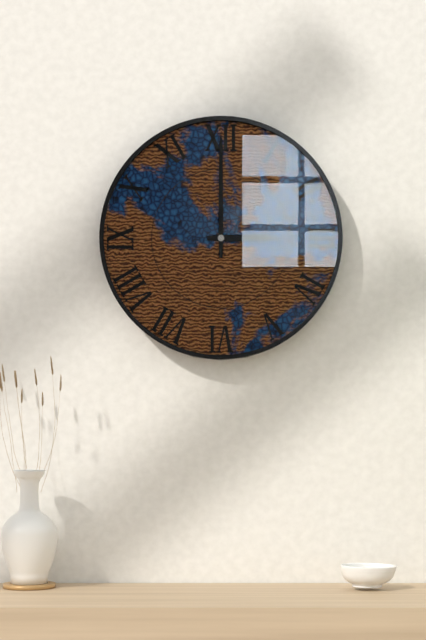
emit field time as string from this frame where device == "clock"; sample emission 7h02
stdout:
3h00
